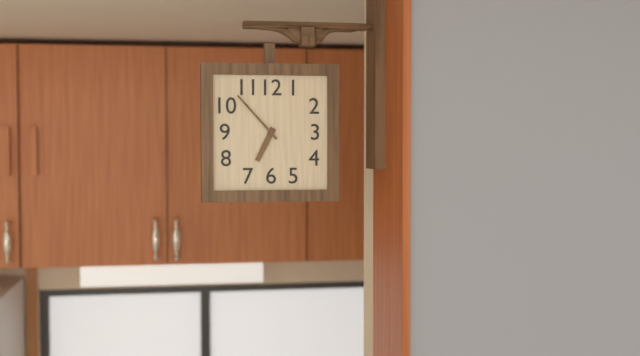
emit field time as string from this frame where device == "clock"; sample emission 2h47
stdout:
6h53
